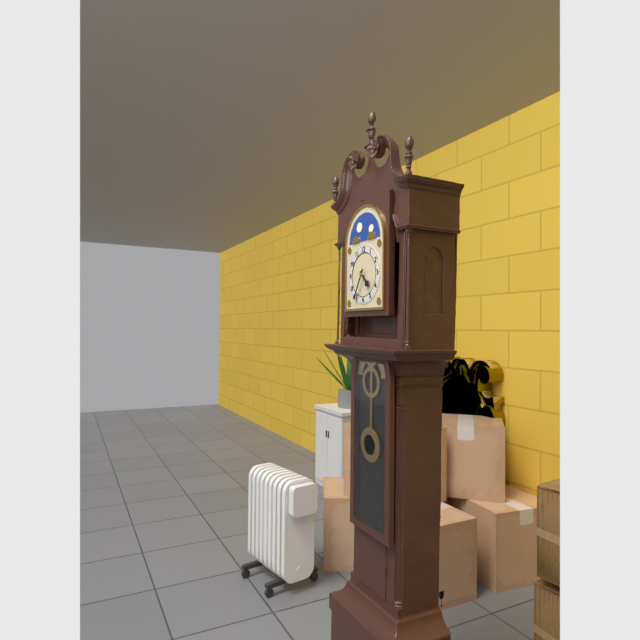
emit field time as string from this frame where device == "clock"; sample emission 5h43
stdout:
4h35
